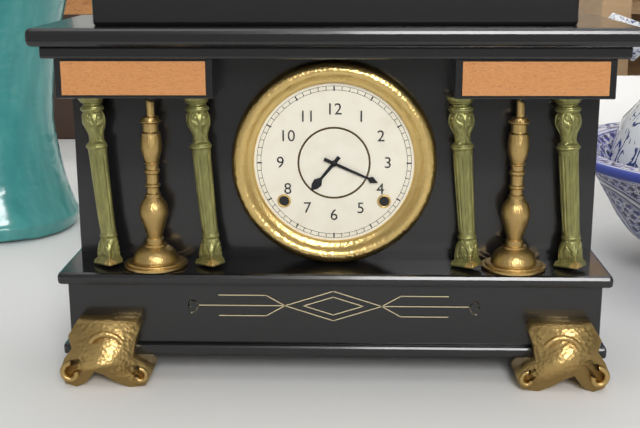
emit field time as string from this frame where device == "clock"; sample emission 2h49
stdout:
7h19
